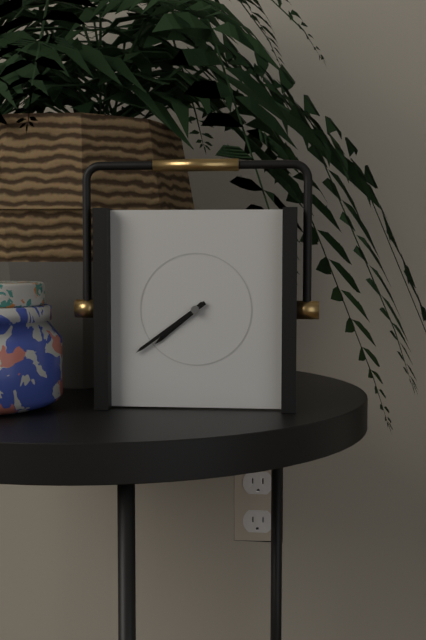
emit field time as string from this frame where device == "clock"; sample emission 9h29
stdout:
7h39
